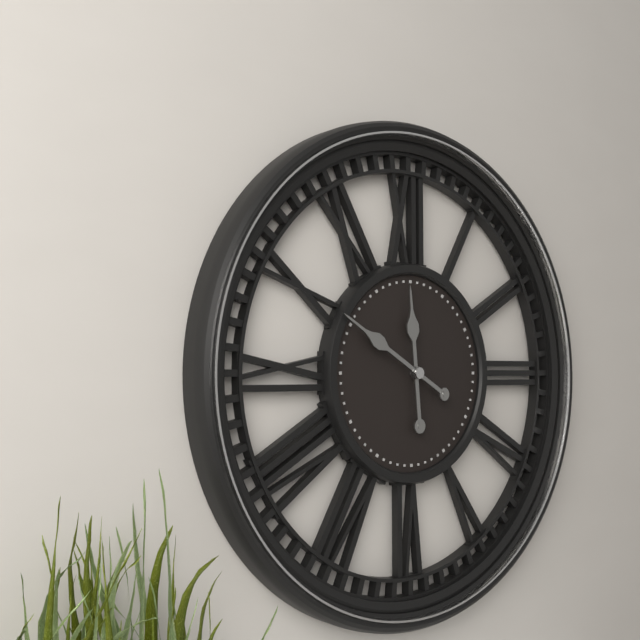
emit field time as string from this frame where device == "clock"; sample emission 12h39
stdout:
11h50
